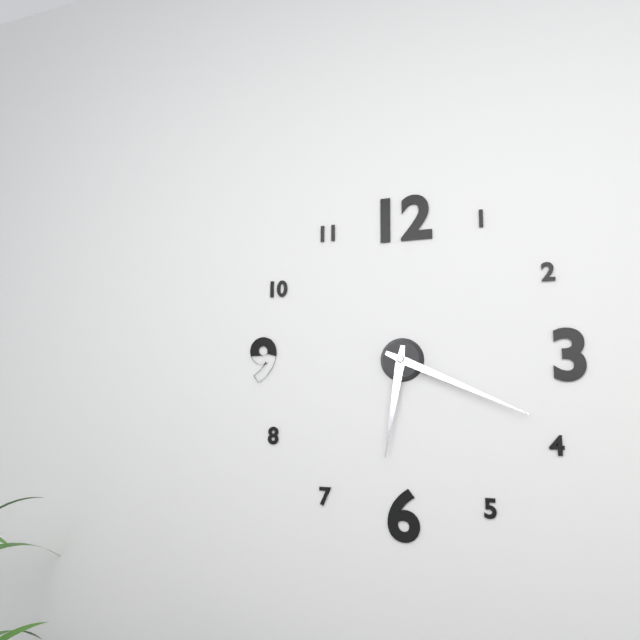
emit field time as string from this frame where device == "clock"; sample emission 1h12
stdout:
6h19
